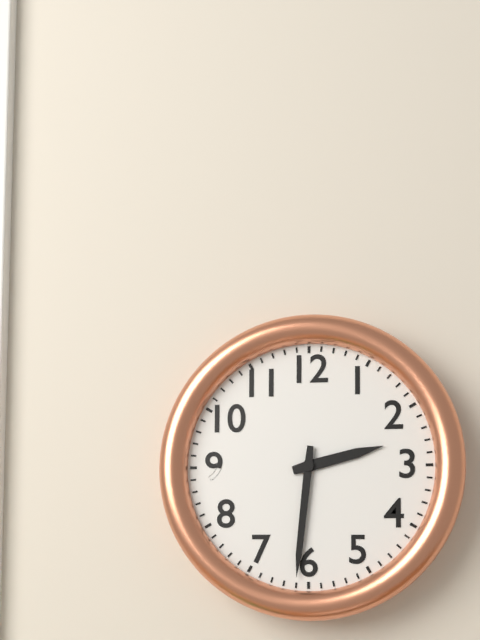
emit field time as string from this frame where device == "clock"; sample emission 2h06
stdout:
2h31
